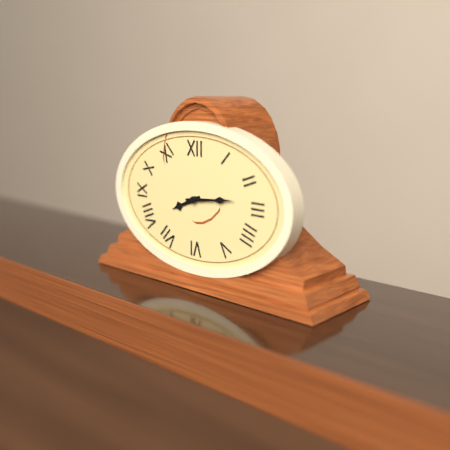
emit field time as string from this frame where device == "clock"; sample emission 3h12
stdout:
8h14
